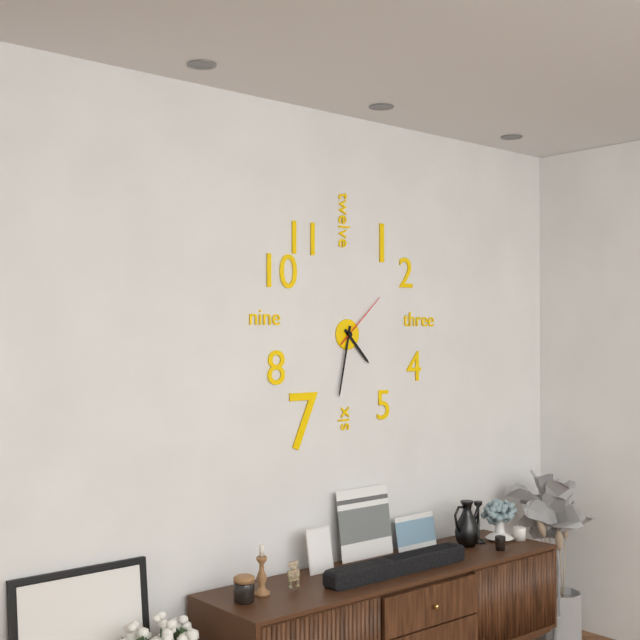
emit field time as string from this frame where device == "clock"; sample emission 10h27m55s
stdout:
4h32m08s
